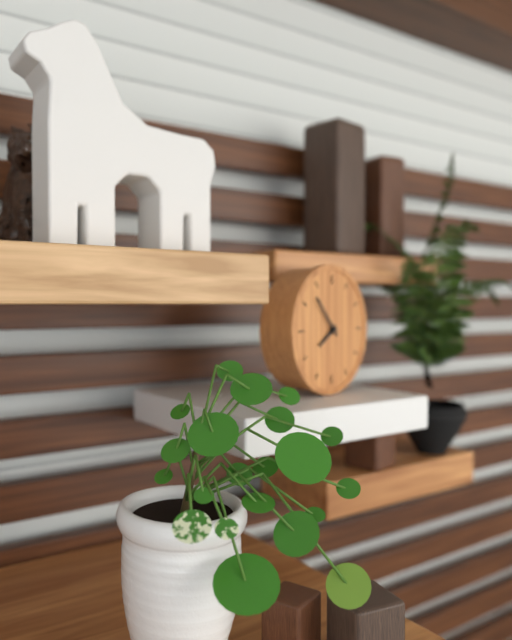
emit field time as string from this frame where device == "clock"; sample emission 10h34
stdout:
7h53
